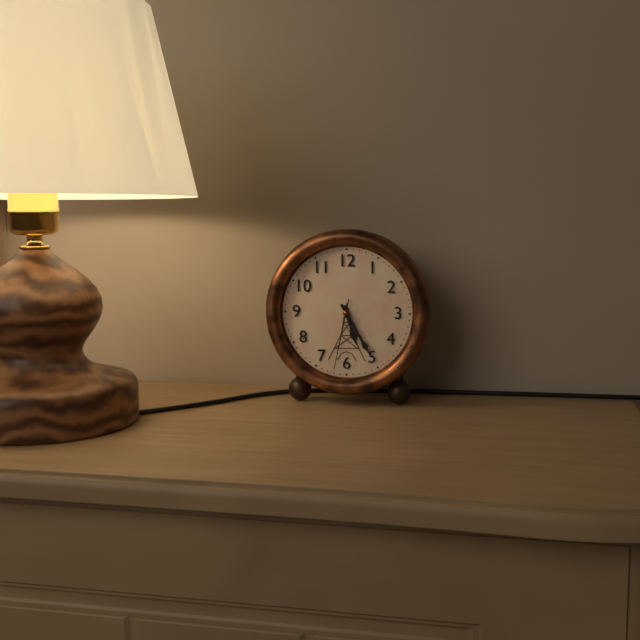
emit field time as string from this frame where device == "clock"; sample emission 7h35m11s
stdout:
5h25m32s
